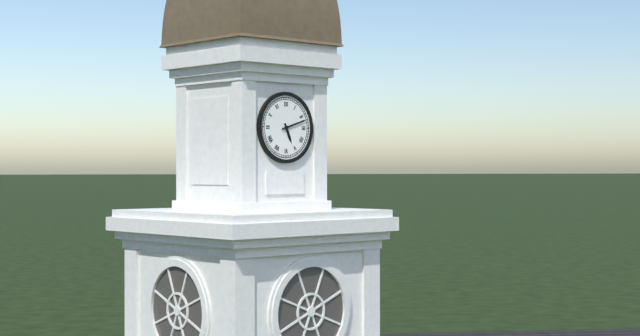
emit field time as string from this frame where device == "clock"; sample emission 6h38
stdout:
5h12
